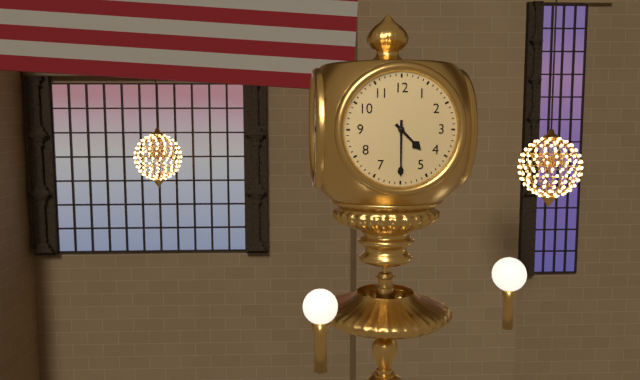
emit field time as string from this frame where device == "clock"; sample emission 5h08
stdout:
4h30
